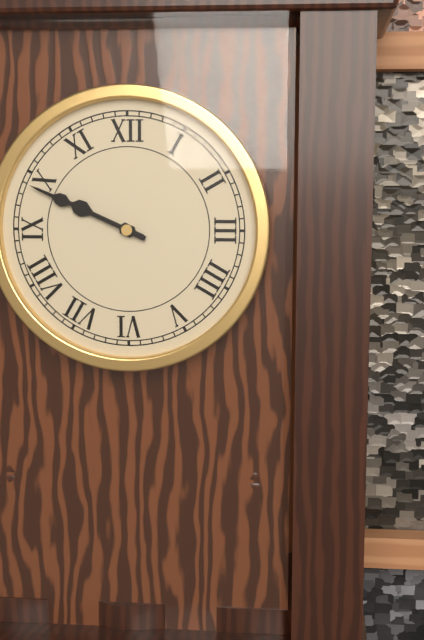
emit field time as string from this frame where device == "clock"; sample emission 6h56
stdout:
9h49
